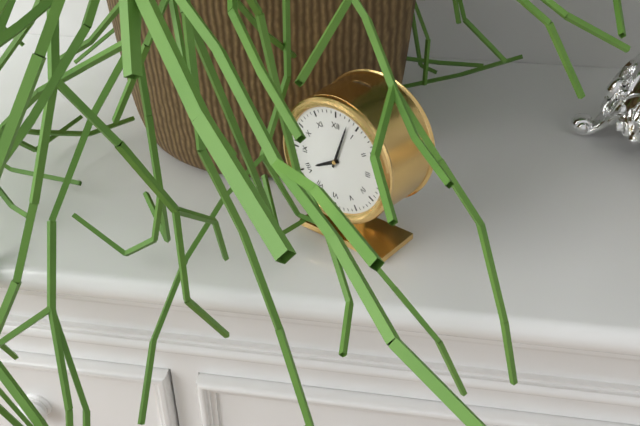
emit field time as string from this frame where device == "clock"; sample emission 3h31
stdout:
8h03
